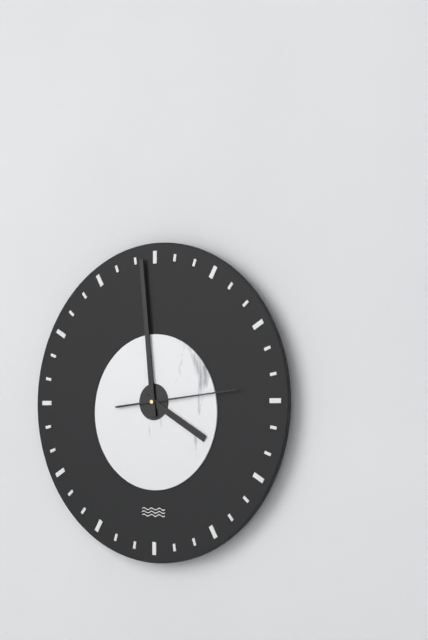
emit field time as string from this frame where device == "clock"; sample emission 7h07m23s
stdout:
3h59m14s
